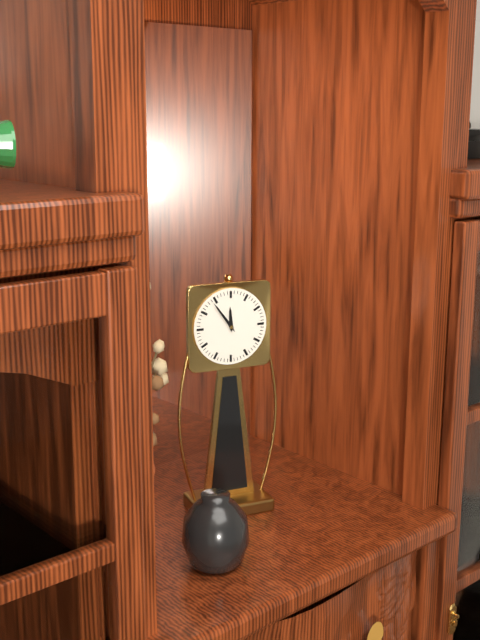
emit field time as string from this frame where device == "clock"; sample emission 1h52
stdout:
11h54
